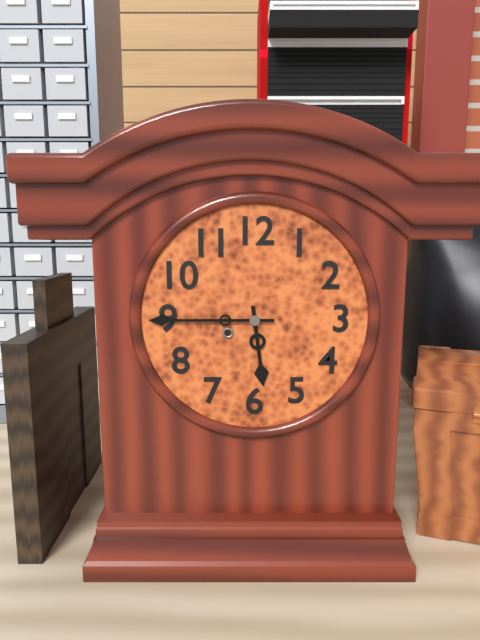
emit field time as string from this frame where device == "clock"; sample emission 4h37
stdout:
5h45
